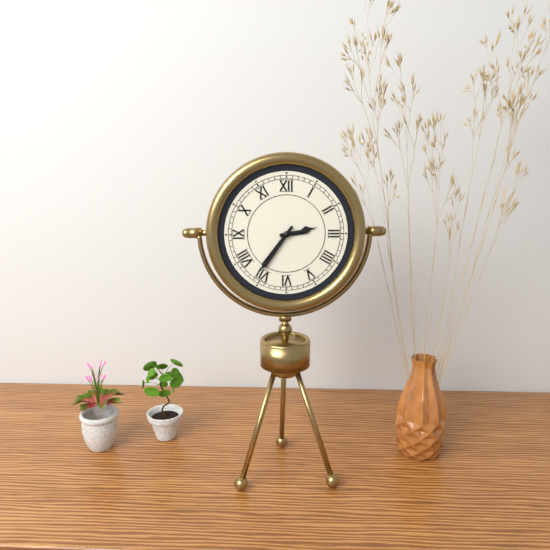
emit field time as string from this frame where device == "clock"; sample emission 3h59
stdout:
2h36
